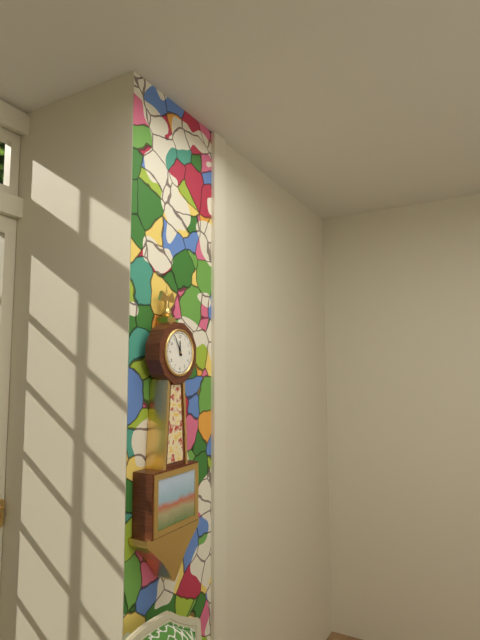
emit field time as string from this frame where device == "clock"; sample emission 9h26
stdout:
11h55
